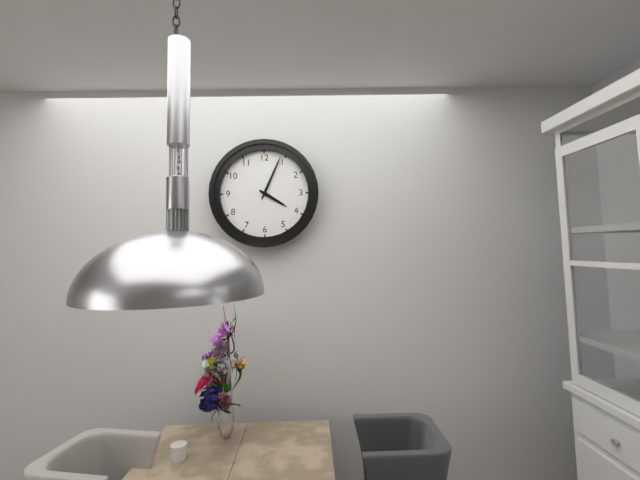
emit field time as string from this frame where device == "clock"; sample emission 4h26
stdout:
4h04
